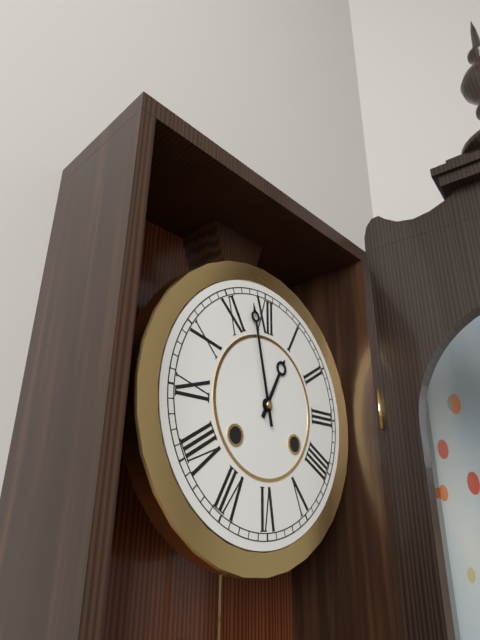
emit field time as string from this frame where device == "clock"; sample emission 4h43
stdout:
12h58
